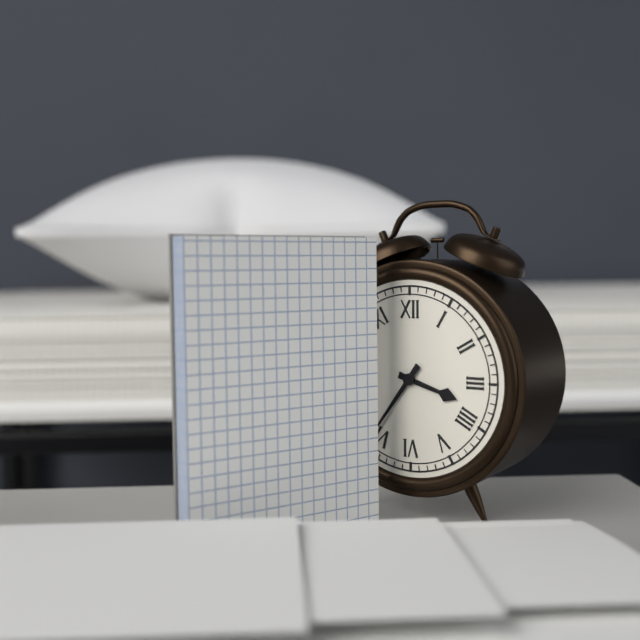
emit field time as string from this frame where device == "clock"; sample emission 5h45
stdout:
3h36
